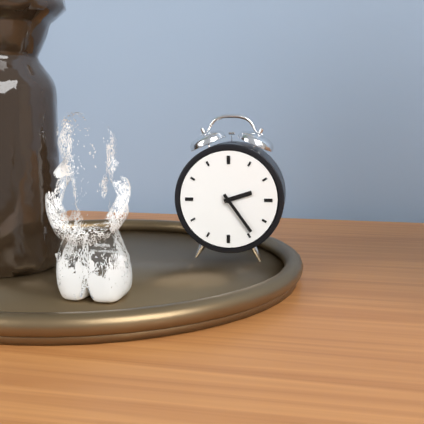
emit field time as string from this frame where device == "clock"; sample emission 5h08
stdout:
2h24
